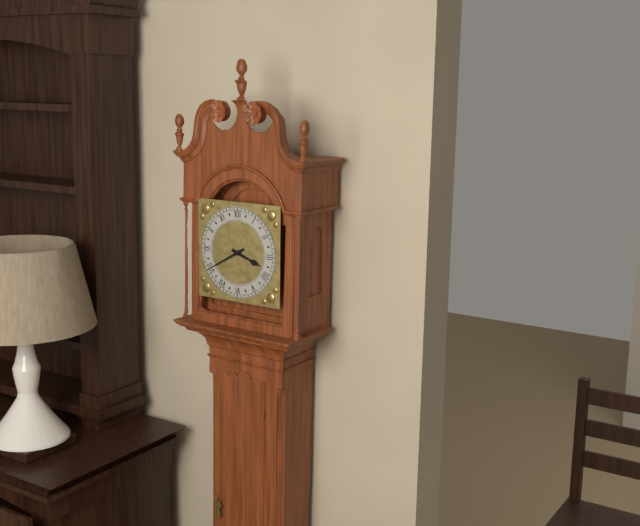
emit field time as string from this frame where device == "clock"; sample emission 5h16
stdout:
3h40
